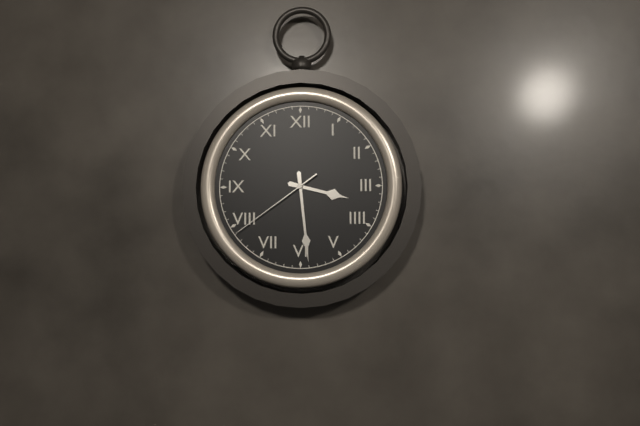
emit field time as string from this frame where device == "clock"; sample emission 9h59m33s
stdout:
3h29m39s
